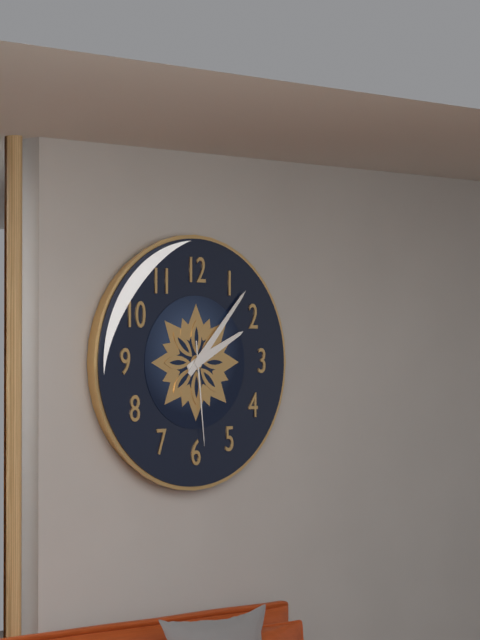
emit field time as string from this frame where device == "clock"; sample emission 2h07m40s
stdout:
2h07m29s
